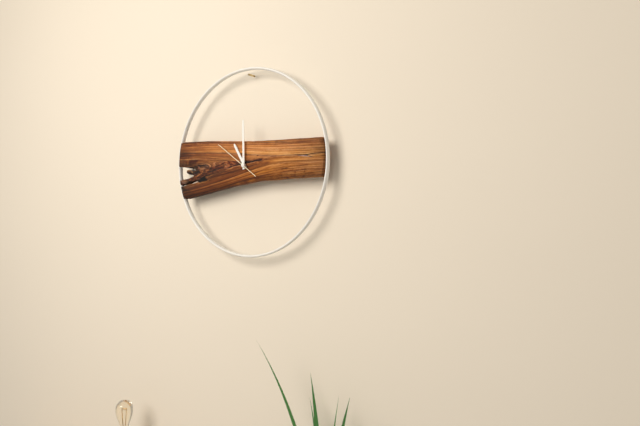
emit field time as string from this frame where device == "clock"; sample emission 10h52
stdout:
11h00
